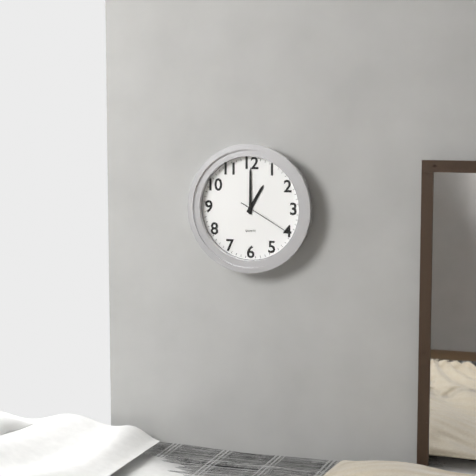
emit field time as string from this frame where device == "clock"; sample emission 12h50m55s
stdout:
1h00m20s
